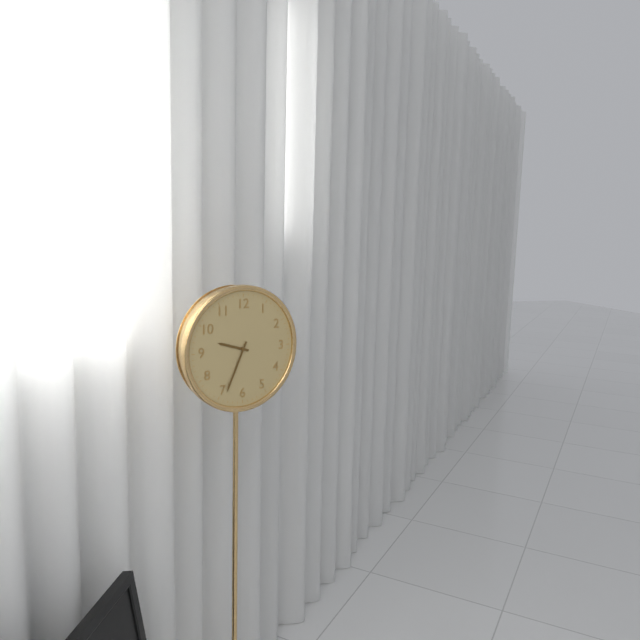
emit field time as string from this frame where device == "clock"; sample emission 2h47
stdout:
9h34
